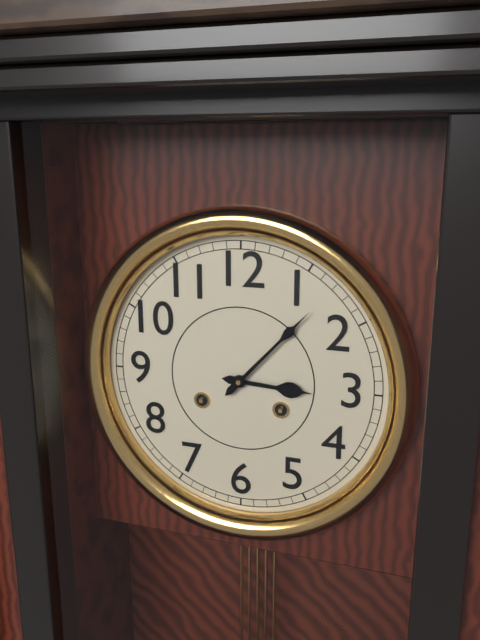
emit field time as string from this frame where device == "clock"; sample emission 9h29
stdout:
3h07
